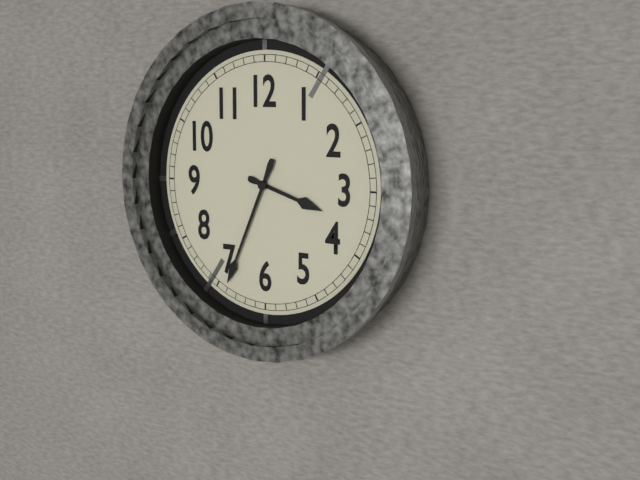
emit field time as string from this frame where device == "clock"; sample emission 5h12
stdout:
3h34
